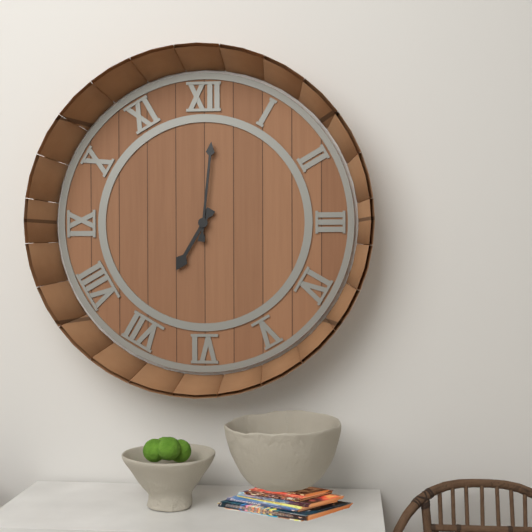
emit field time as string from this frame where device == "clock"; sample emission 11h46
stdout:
7h01
